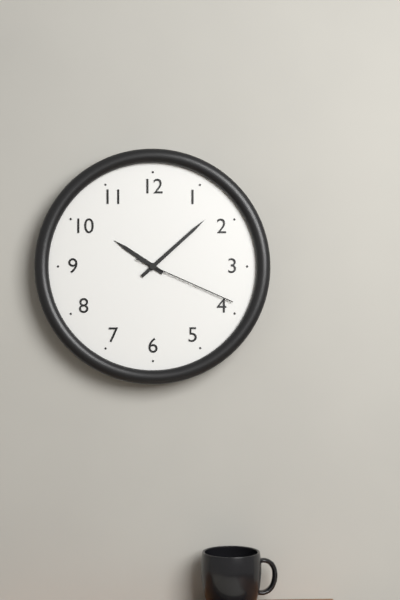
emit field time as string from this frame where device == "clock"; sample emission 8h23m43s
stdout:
10h08m19s
